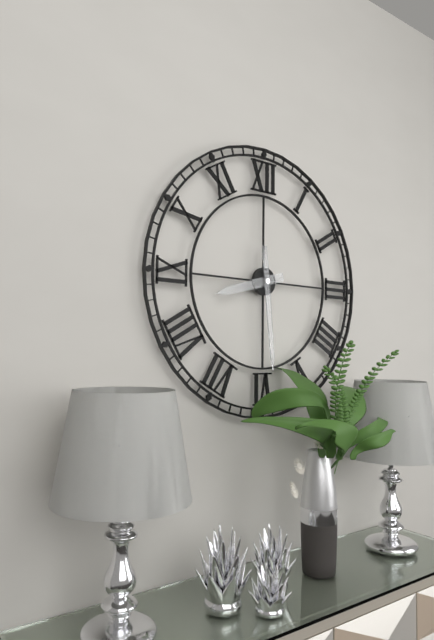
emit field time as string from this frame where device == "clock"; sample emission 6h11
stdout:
8h29
